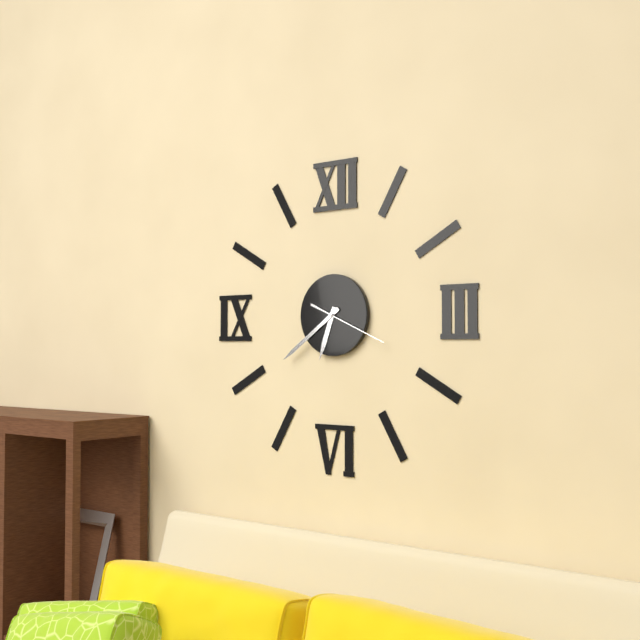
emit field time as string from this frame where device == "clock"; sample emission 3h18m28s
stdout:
6h39m19s
